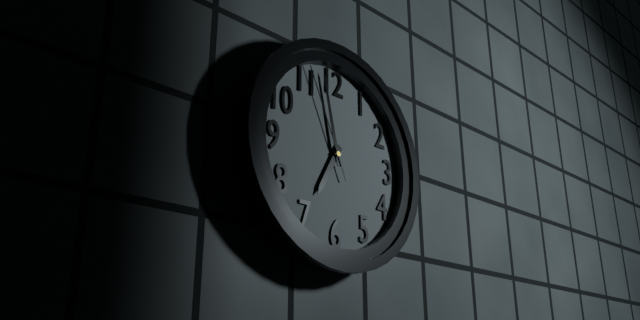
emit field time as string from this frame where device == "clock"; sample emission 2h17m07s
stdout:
6h58m56s
